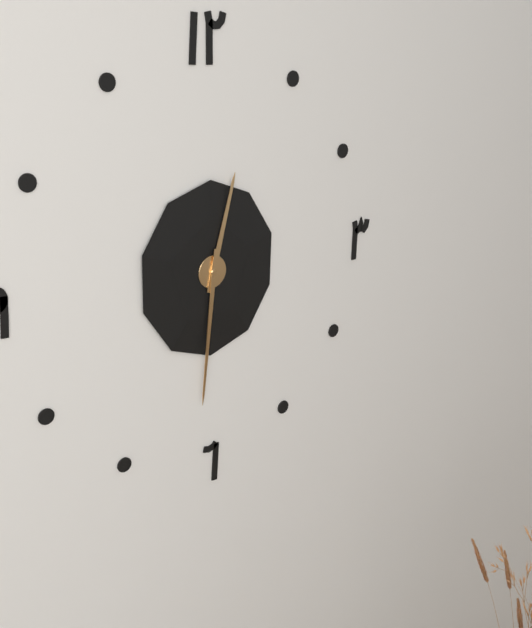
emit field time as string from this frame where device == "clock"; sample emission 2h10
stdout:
12h31
